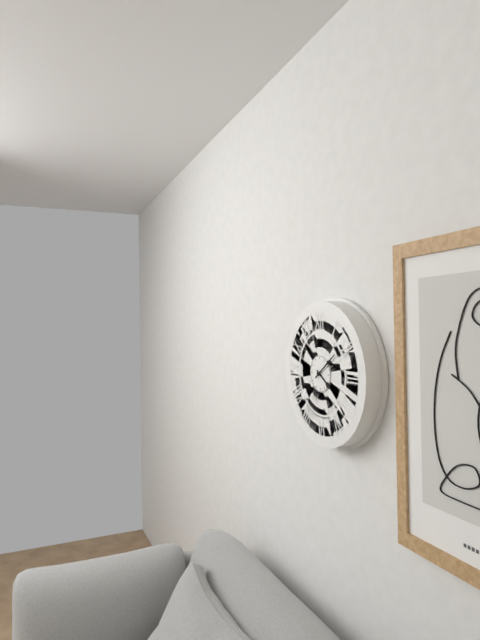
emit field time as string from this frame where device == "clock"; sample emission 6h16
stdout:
4h09
